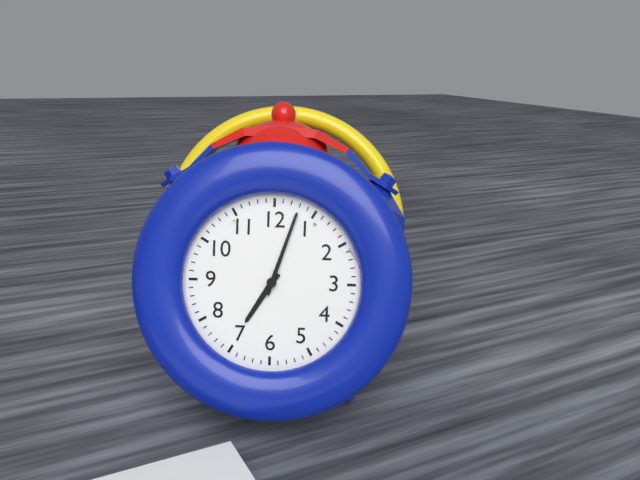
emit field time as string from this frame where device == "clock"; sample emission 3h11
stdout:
7h03
